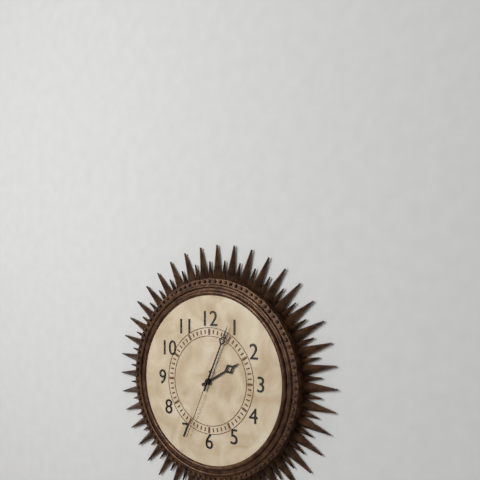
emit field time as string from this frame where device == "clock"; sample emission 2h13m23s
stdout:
2h04m34s
